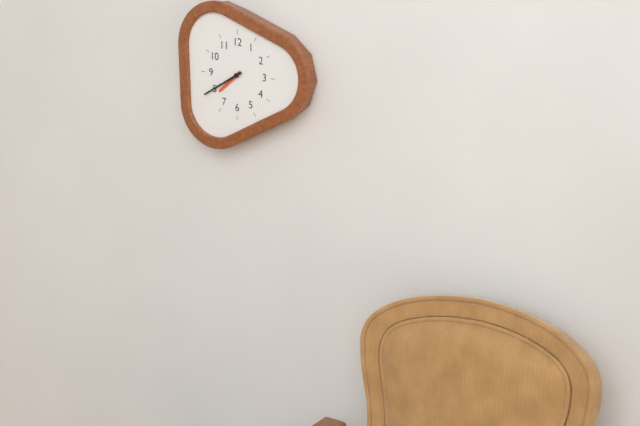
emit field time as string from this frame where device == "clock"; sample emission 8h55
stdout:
7h40
